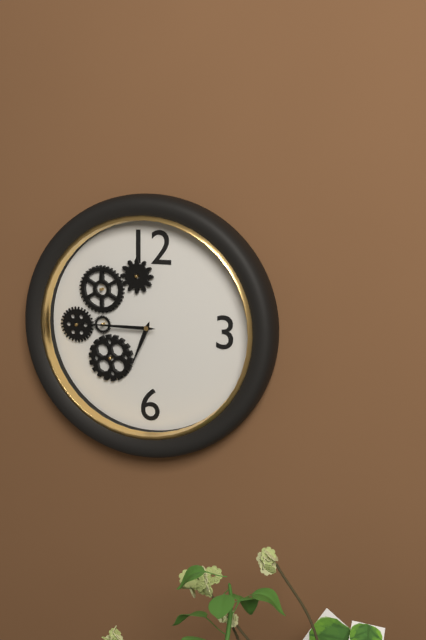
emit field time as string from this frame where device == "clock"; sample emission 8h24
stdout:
6h45
